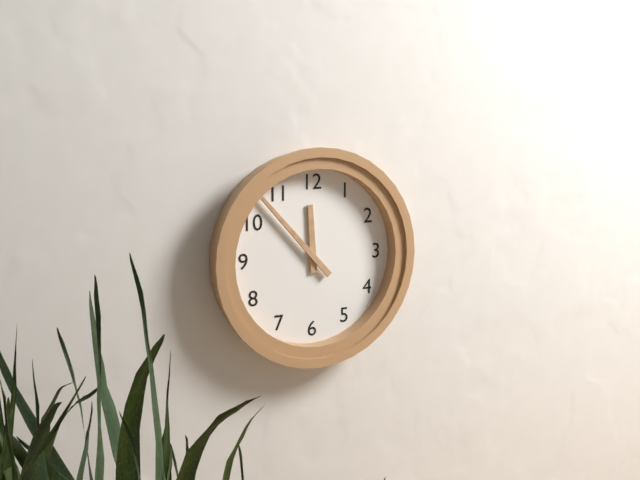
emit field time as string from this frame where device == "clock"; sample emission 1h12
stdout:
11h53
